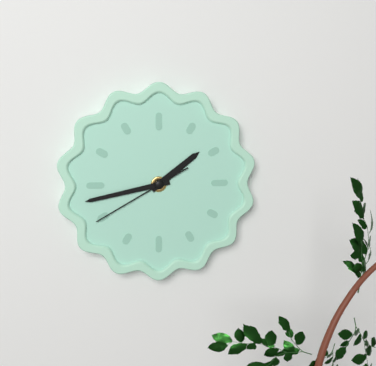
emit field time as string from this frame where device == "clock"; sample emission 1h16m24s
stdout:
1h43m40s
